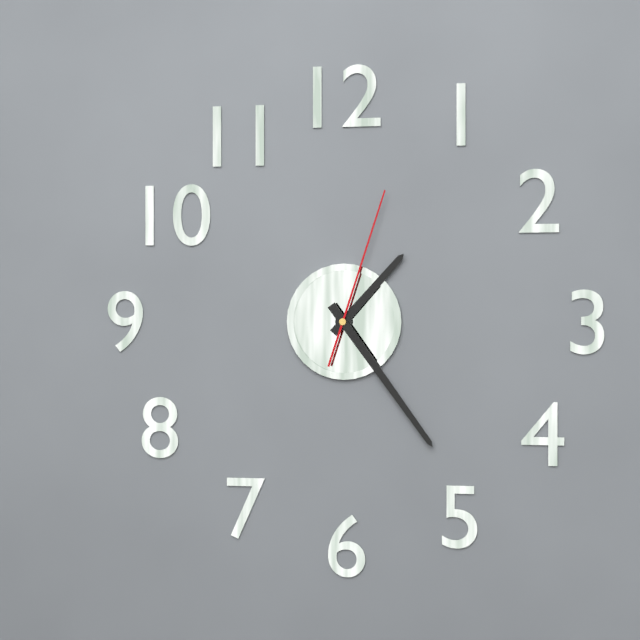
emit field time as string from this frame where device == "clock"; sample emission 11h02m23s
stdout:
1h24m03s
